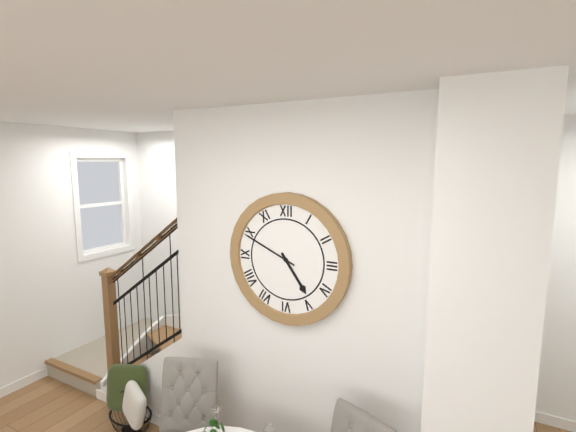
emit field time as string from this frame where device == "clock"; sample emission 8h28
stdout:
4h49
